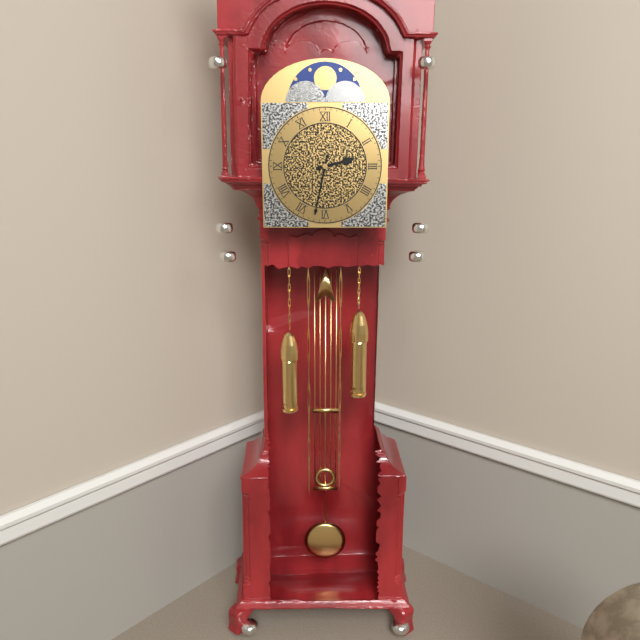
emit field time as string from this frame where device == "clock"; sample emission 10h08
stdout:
2h32
